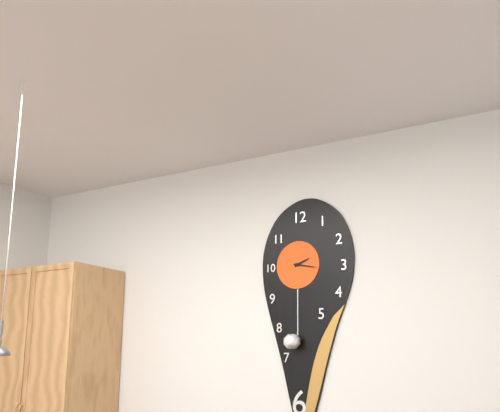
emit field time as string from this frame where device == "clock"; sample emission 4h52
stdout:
2h17
